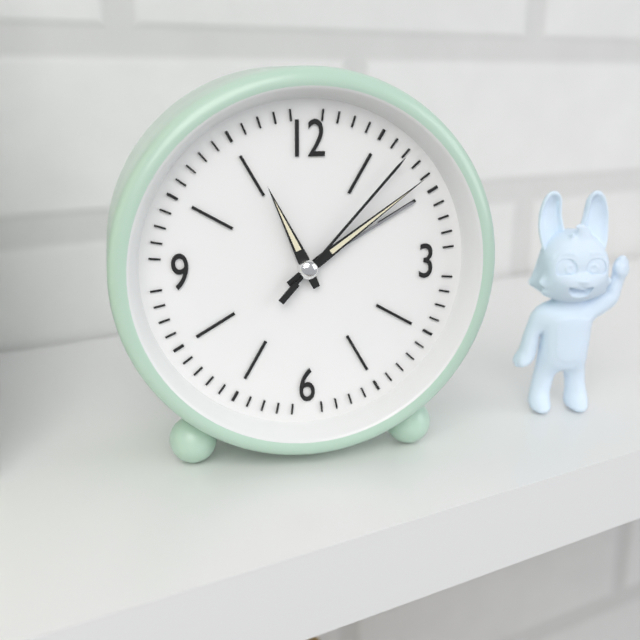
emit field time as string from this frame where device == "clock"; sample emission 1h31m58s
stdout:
11h09m07s
